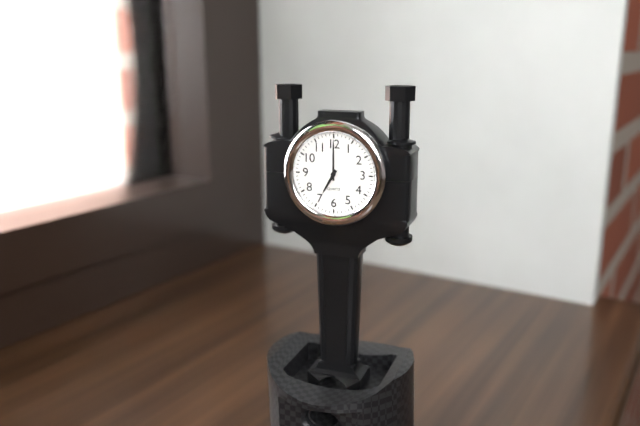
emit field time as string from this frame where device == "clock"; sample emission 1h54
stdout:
7h00
